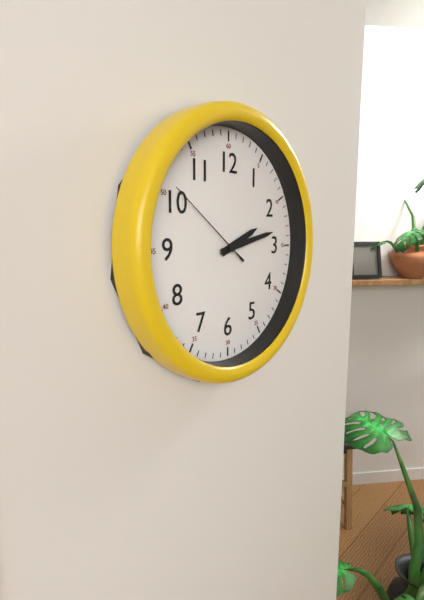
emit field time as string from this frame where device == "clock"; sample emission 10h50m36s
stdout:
2h13m51s
